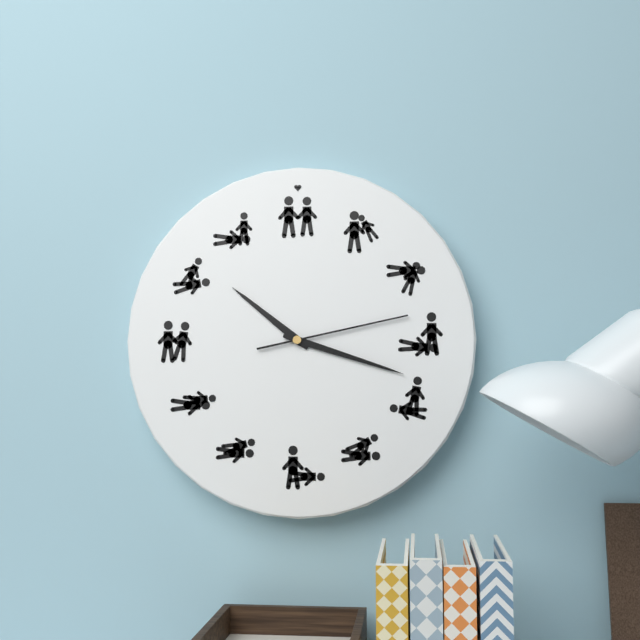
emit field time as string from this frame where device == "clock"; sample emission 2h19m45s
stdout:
10h18m13s
